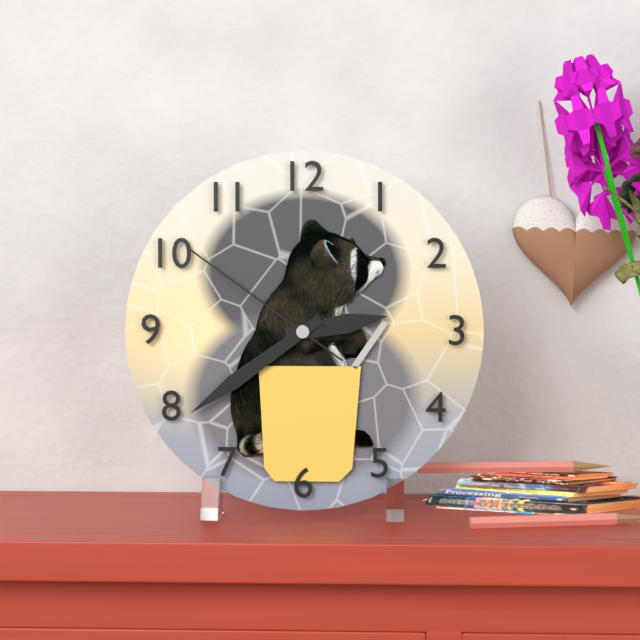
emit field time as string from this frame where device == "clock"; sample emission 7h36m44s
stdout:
2h39m51s
